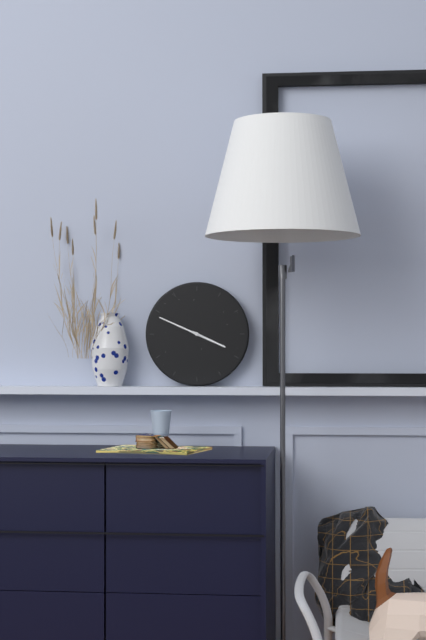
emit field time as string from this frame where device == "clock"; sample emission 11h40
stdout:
3h49
